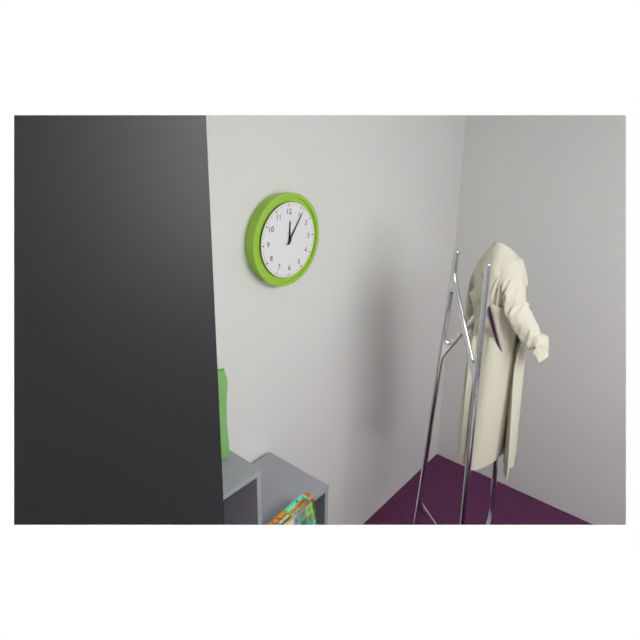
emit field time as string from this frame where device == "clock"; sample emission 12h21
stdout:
12h06
